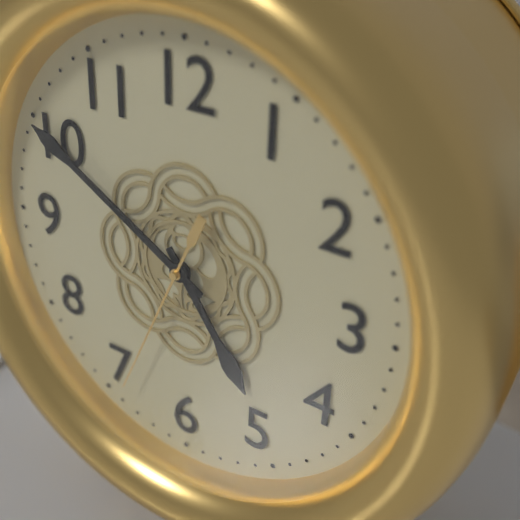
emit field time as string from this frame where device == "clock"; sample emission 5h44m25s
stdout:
4h50m34s
